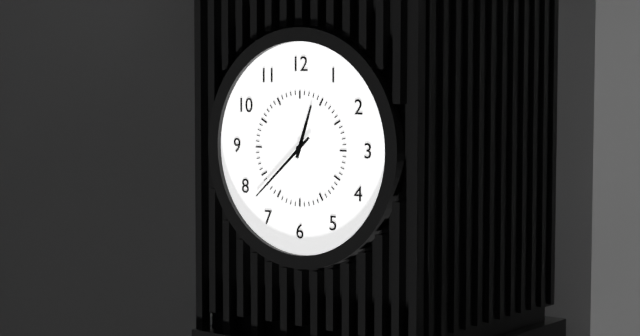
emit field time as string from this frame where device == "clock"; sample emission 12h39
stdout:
12h38
